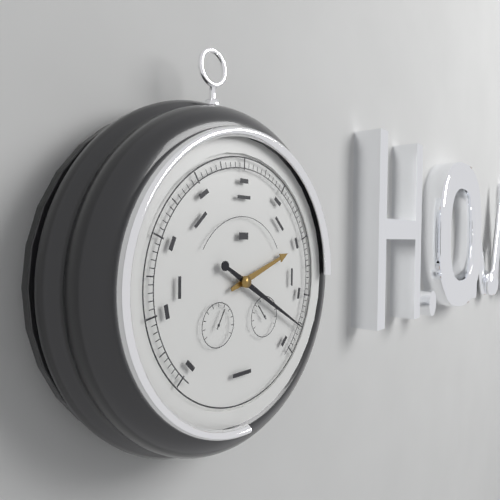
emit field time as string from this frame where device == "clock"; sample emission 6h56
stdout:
2h20
